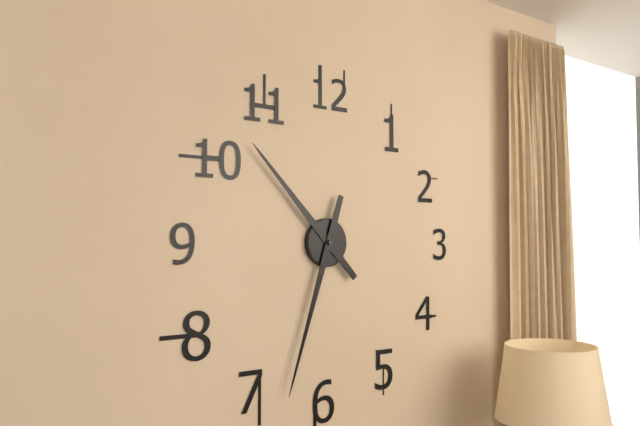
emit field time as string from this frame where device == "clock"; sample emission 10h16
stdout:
10h33
